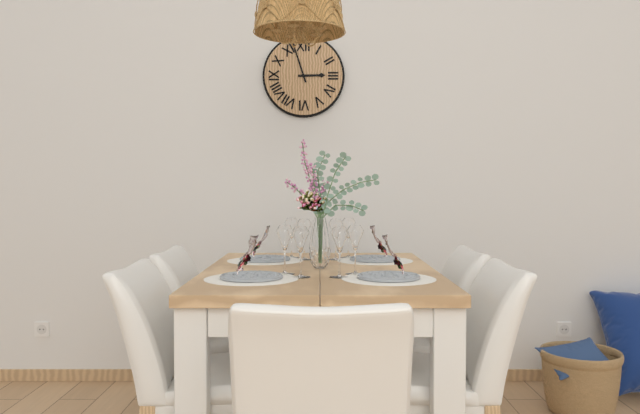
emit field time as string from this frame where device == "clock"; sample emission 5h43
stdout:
2h57
